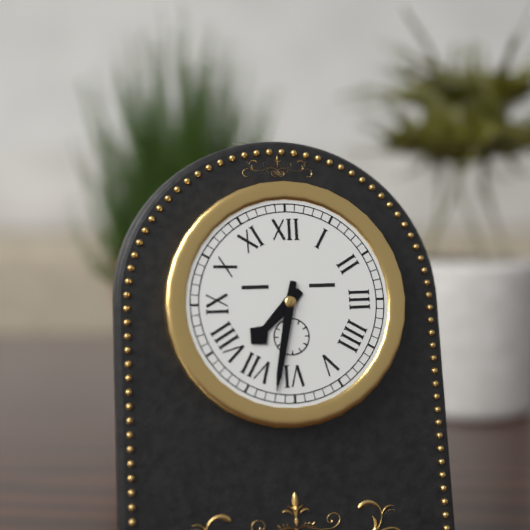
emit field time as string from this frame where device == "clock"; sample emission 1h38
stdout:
7h32
